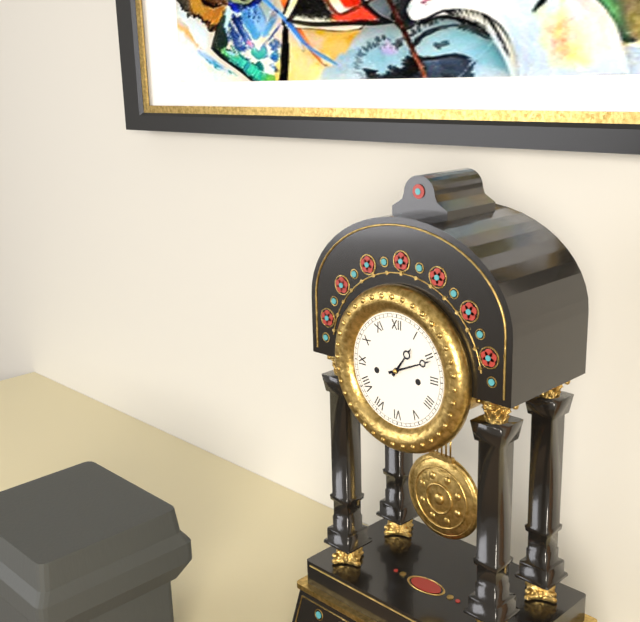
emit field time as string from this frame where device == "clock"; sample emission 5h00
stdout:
1h11
